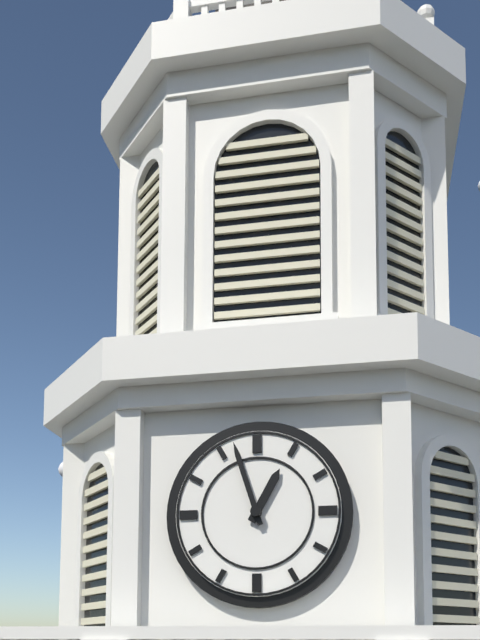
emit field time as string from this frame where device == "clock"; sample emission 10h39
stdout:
12h57
